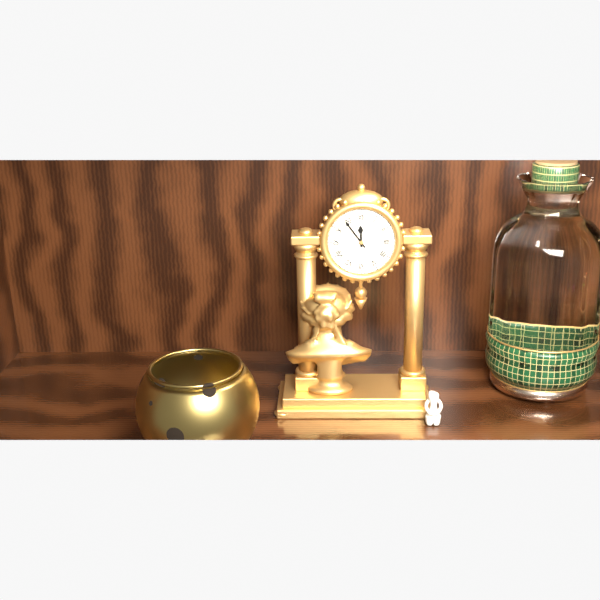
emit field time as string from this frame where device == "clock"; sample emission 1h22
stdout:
11h54
